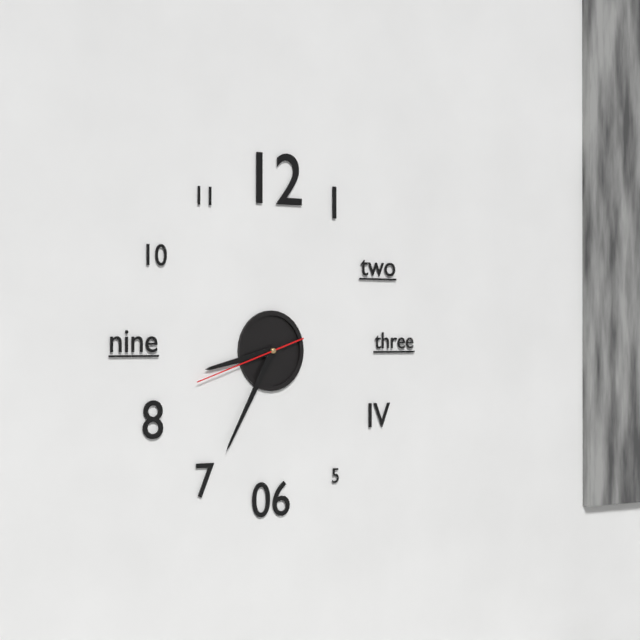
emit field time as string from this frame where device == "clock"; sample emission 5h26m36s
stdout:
8h35m42s
